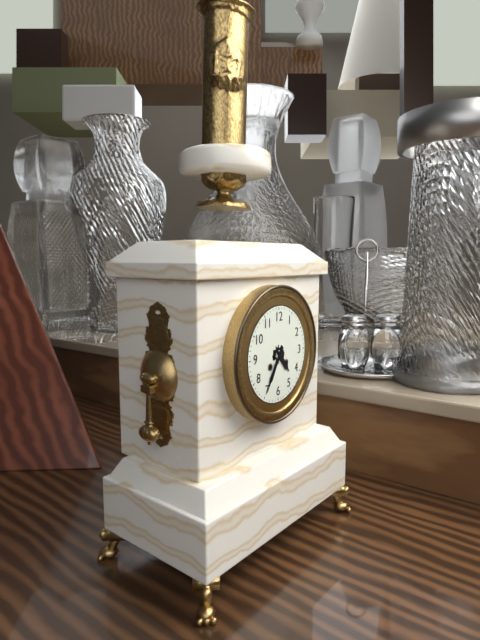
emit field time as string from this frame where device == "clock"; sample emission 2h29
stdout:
4h35
